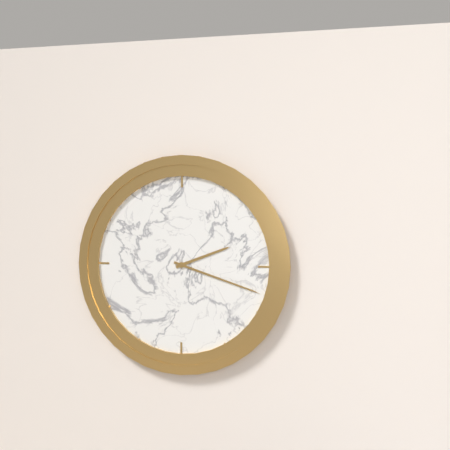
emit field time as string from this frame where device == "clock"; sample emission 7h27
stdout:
2h18
